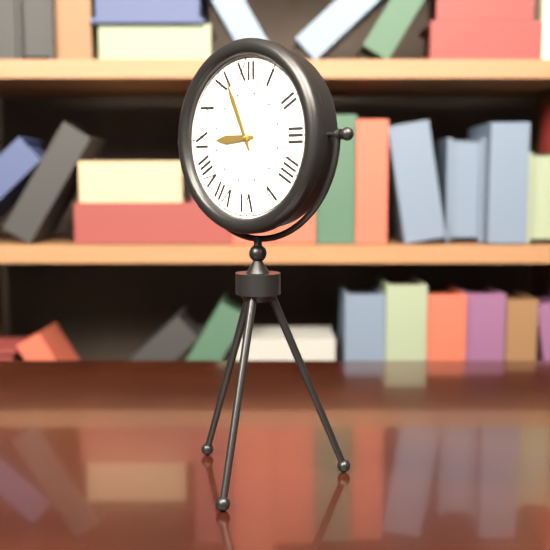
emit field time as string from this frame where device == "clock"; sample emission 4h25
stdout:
8h56
